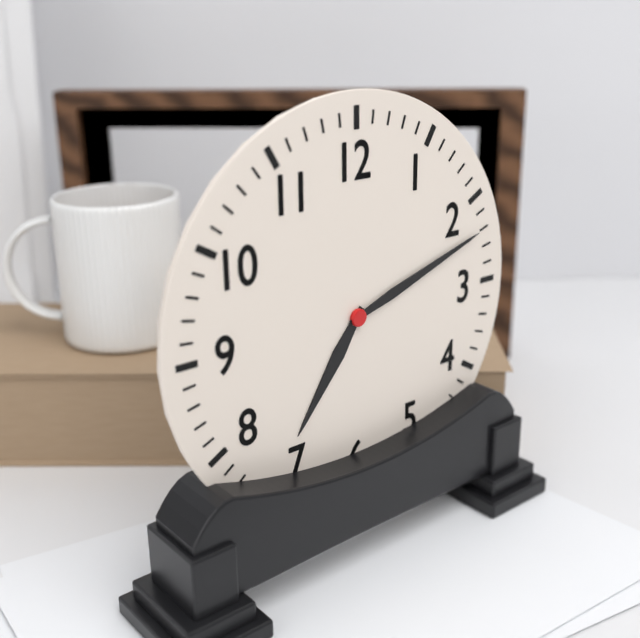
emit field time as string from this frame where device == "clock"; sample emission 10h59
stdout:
7h12
